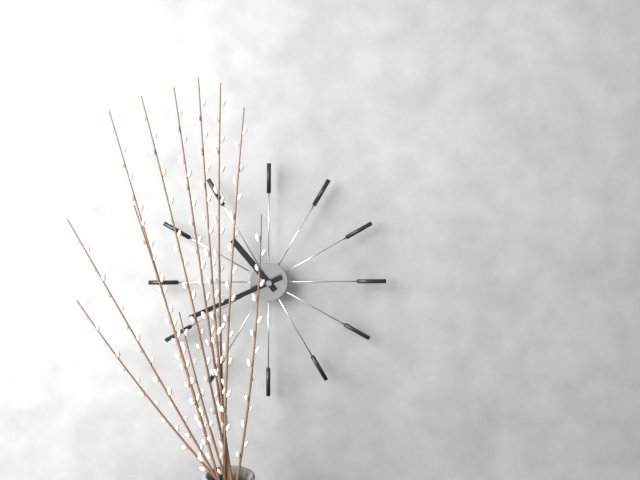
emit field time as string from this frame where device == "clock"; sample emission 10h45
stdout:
10h41
